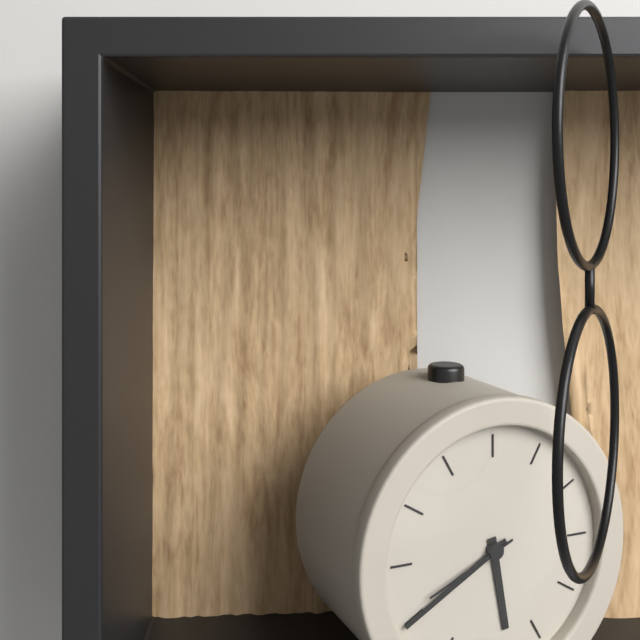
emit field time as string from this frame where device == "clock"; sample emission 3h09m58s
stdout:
5h40m41s
